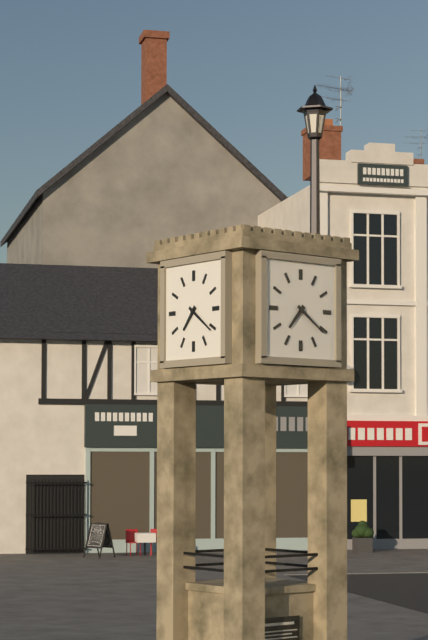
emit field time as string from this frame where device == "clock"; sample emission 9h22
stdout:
7h21
